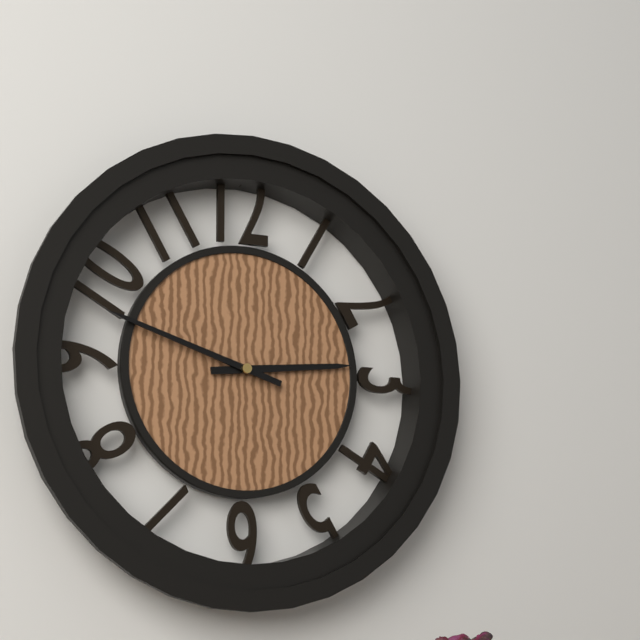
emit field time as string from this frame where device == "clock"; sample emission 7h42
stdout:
2h48
